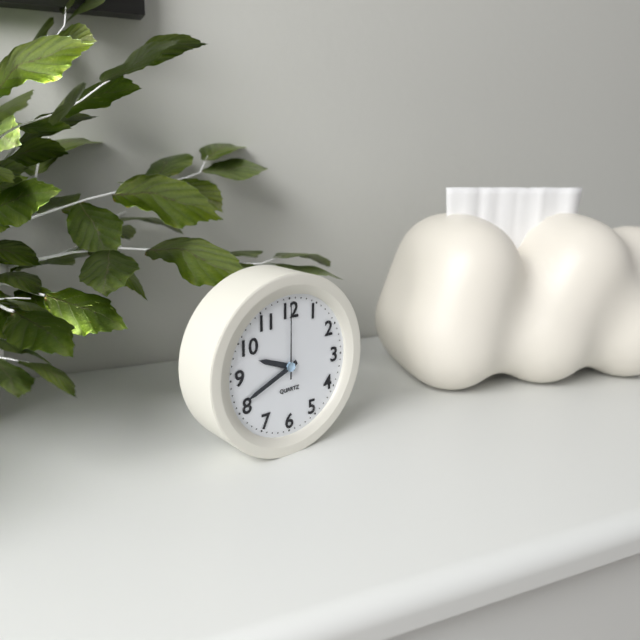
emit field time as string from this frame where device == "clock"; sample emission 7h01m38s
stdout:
9h41m00s
